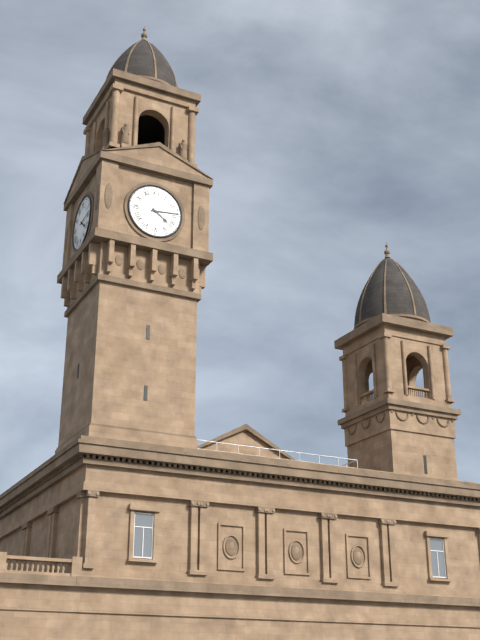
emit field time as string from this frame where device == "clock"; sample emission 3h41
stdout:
4h14
